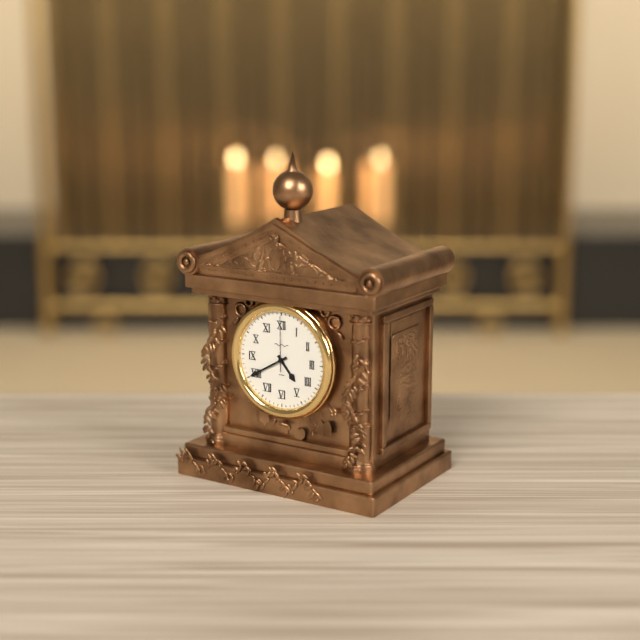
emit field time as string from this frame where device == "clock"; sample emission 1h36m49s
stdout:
4h40m00s
